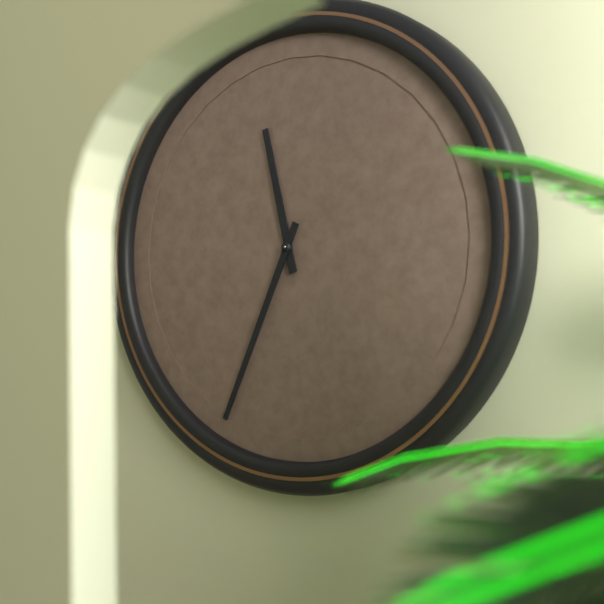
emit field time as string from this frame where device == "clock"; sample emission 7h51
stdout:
11h34
